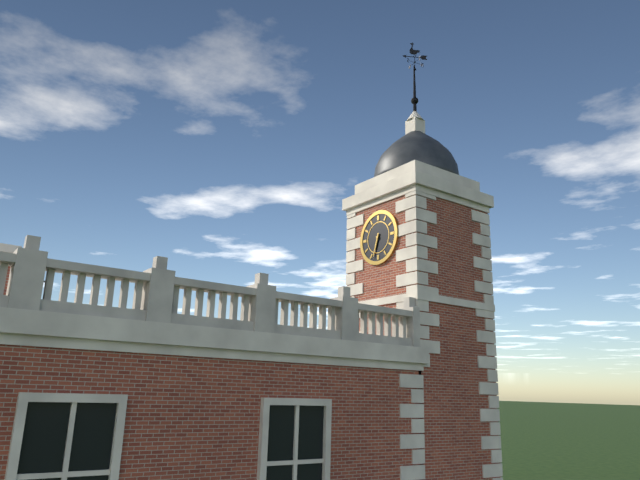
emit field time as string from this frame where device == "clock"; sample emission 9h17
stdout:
6h33
